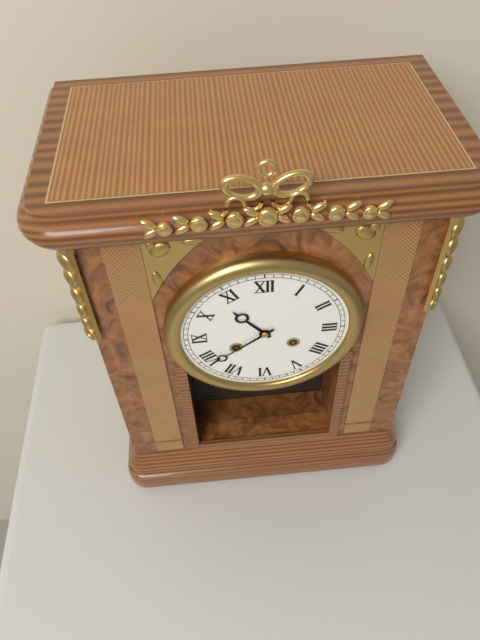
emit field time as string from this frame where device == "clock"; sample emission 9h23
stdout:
10h39
